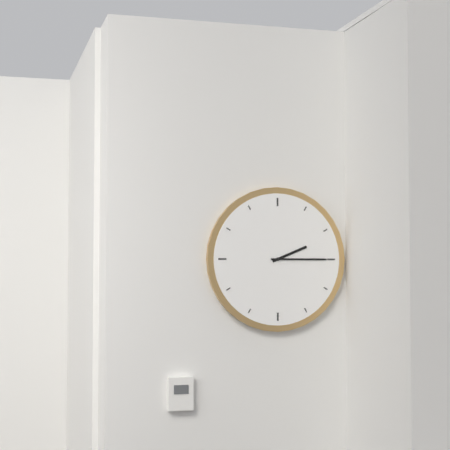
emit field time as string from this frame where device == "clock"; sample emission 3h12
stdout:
2h15
